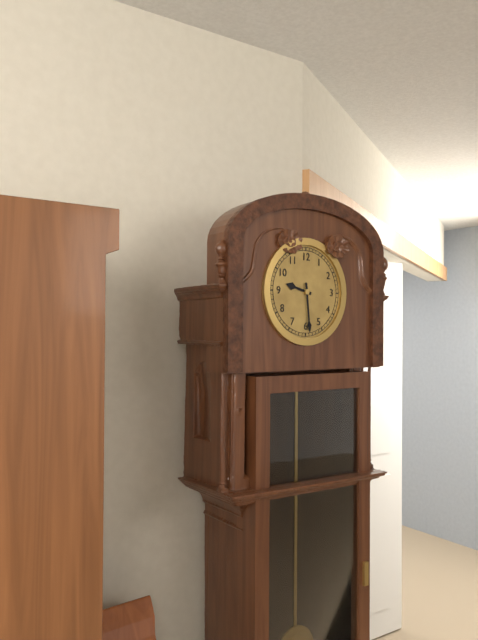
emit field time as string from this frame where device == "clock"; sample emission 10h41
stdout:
9h29
